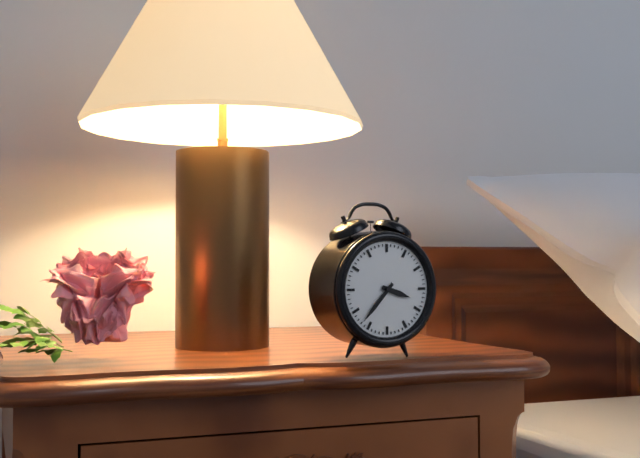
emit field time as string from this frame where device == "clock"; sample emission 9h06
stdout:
3h37
